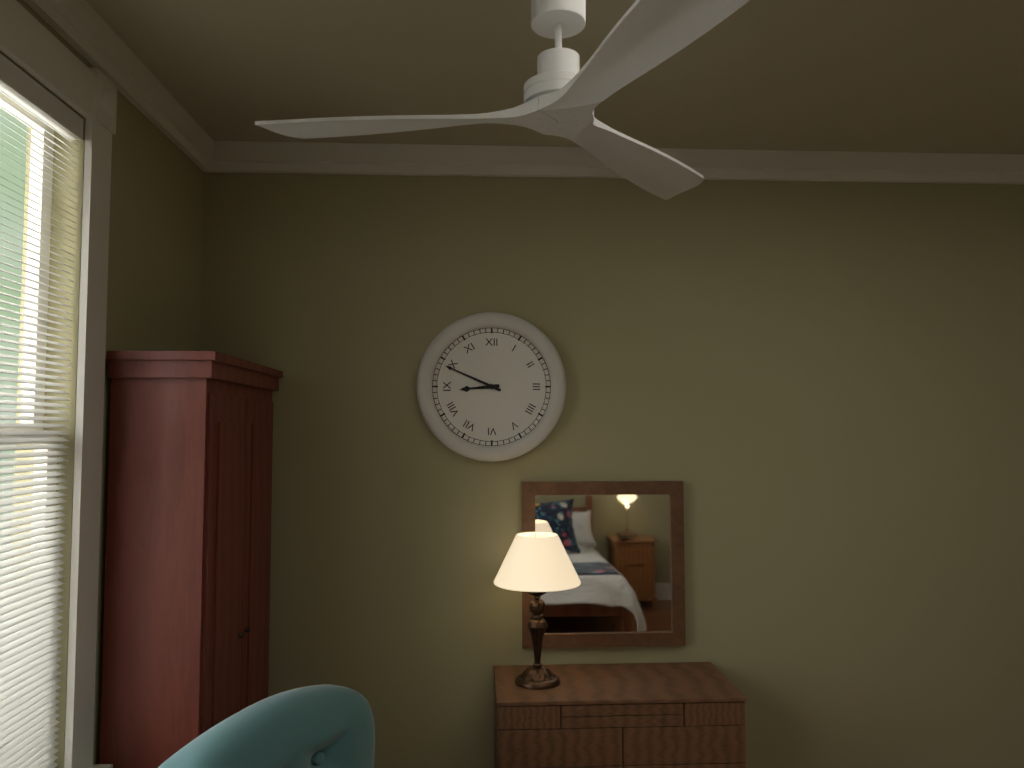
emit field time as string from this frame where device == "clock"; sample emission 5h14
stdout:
8h49
